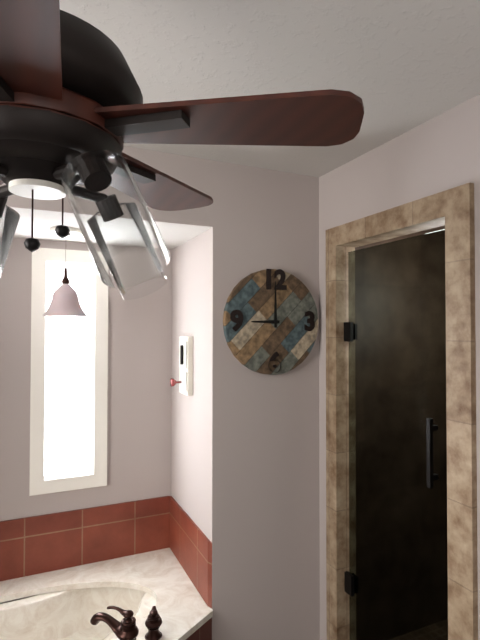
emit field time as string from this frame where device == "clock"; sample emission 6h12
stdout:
9h00
